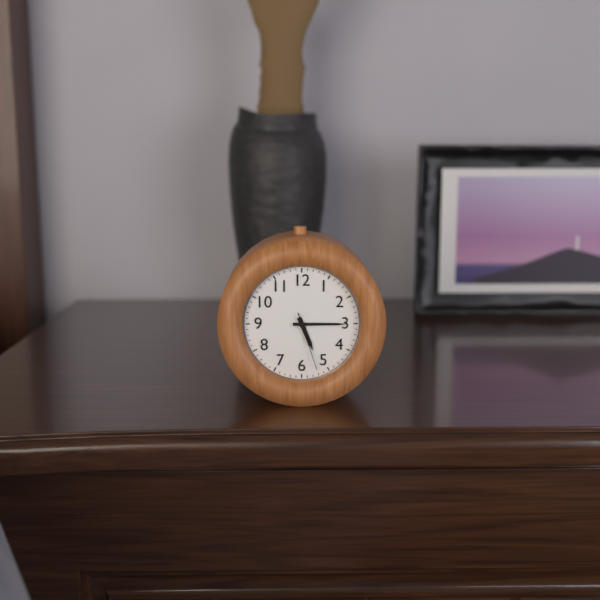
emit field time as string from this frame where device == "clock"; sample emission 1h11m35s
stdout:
5h15m27s
